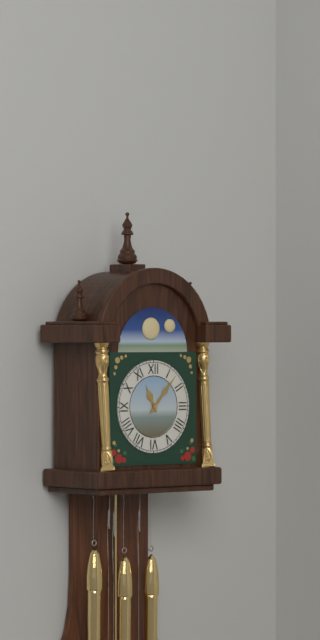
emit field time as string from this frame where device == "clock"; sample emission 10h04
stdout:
11h07
